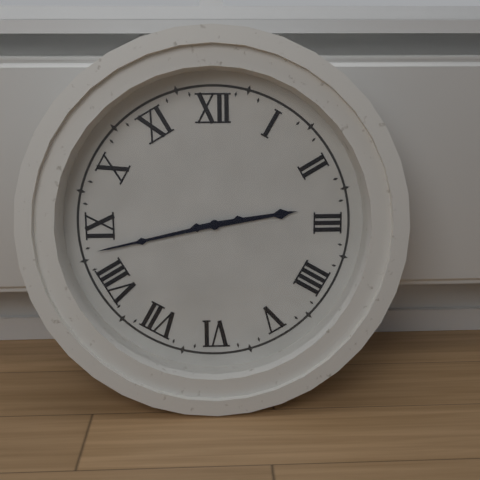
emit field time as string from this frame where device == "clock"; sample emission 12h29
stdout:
2h43
